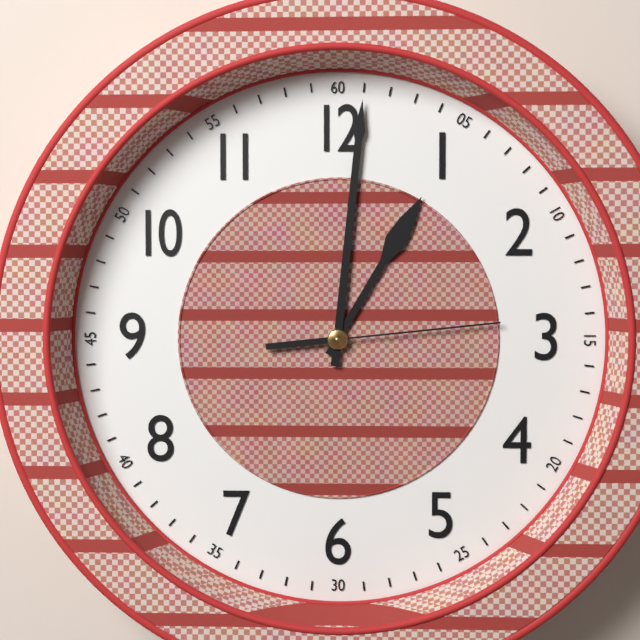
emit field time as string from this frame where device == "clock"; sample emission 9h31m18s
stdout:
1h01m14s
